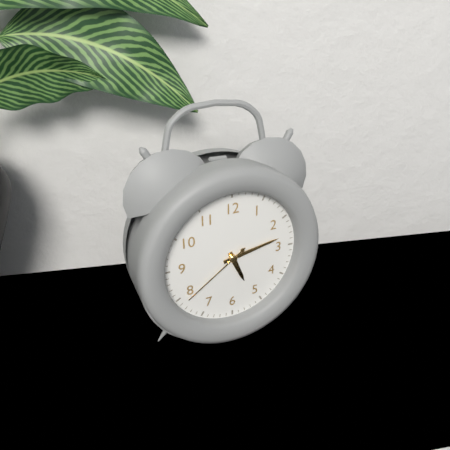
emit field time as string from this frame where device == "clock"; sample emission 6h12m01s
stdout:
5h13m39s
